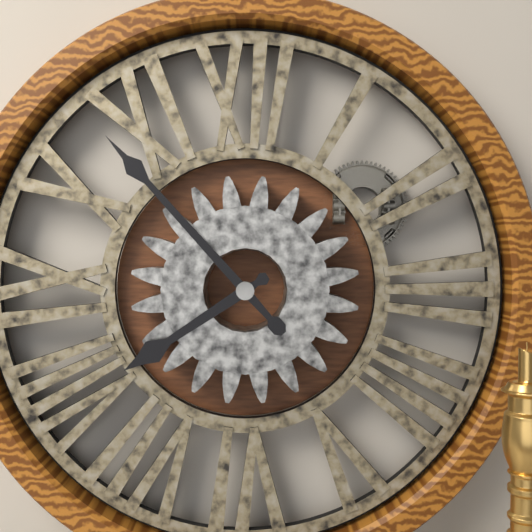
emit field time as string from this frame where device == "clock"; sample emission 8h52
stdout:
7h53
